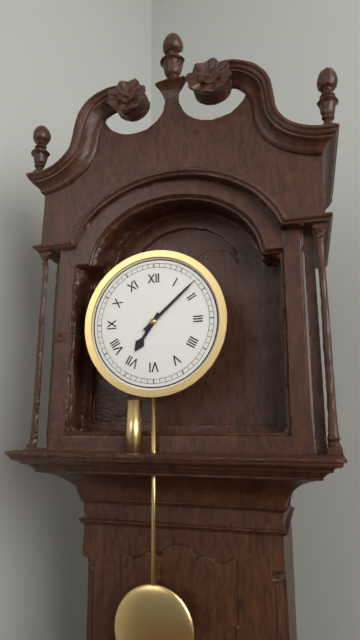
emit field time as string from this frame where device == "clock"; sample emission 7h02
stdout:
7h08
